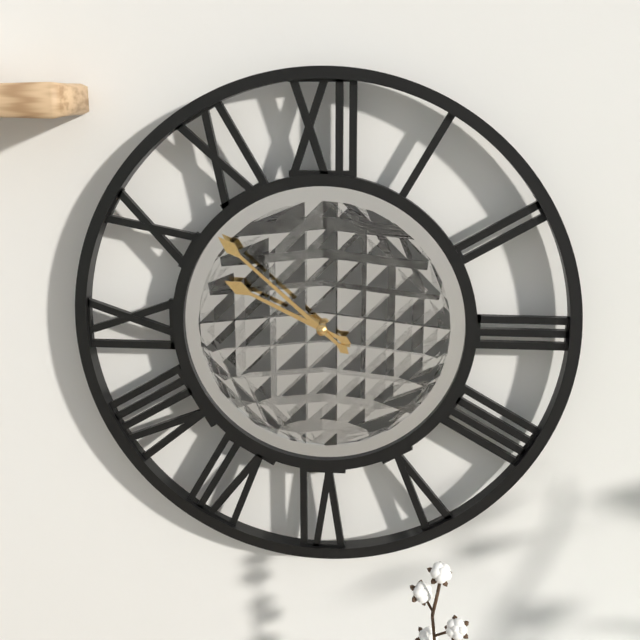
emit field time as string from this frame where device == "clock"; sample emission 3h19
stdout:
9h52
